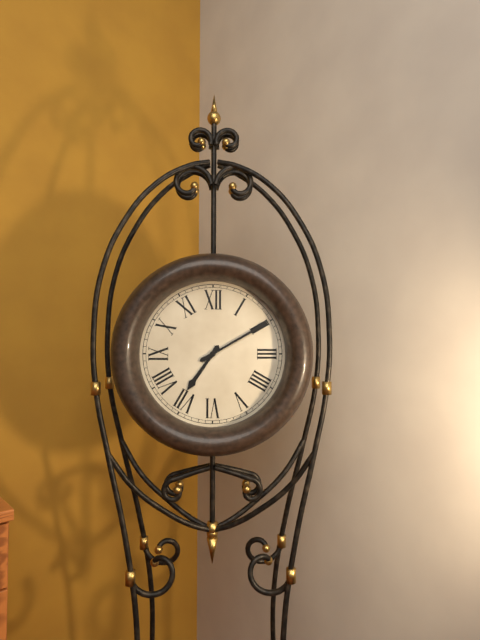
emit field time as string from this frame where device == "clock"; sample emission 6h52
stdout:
7h10
